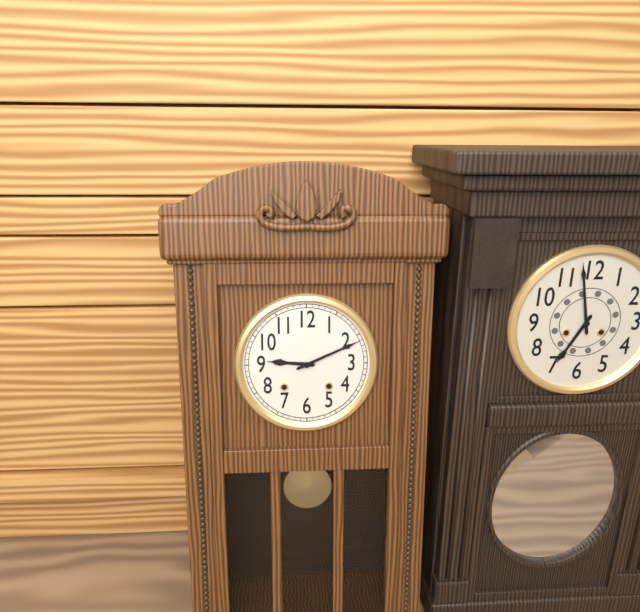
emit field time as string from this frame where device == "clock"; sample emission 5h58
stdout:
9h11
